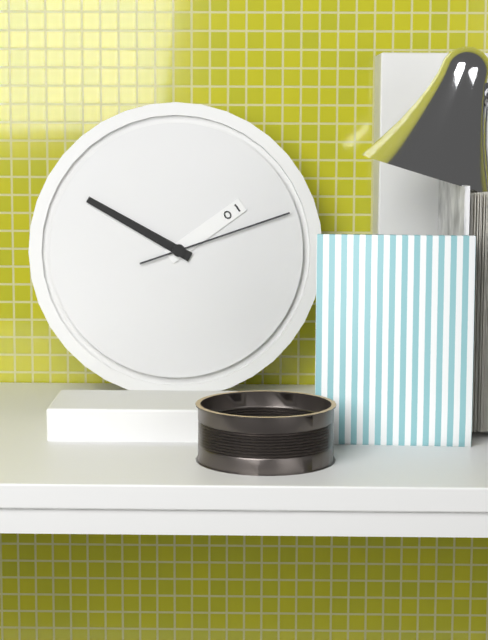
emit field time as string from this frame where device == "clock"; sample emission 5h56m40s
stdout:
1h50m12s
